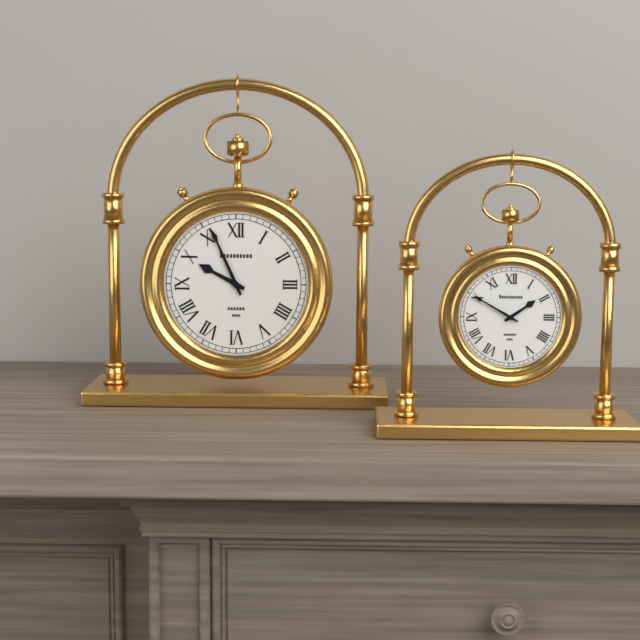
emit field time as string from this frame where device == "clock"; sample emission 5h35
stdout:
9h56
